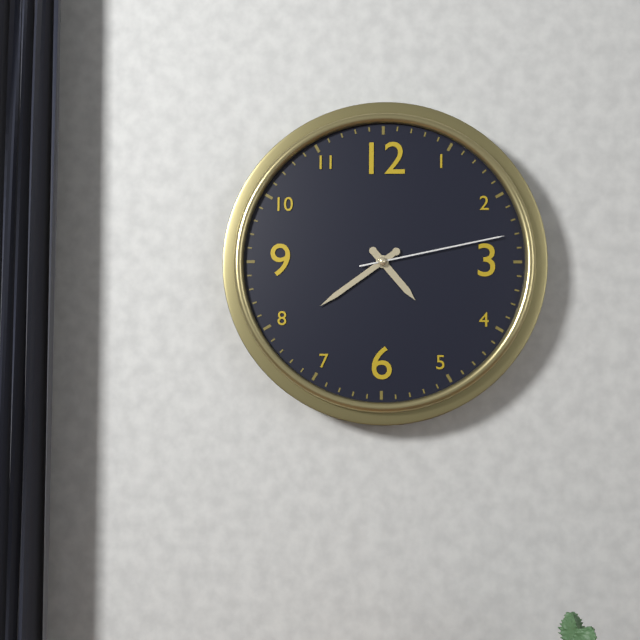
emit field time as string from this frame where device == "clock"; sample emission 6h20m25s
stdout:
4h39m13s
